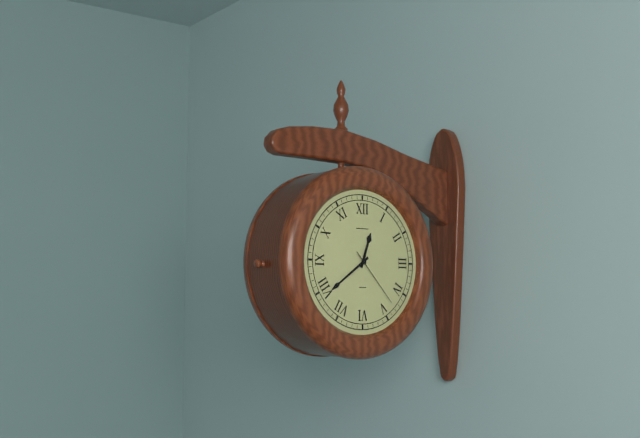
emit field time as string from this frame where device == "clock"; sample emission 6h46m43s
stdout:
12h39m23s
